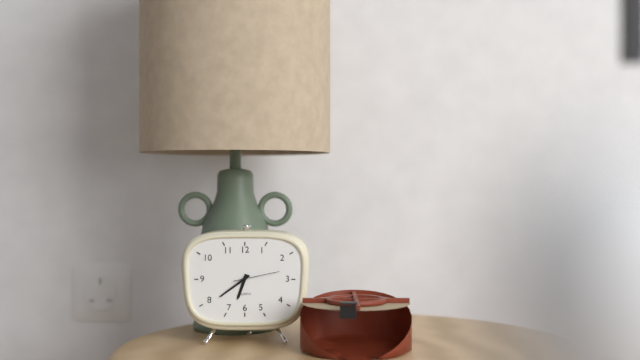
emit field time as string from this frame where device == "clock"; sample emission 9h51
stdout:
6h39
